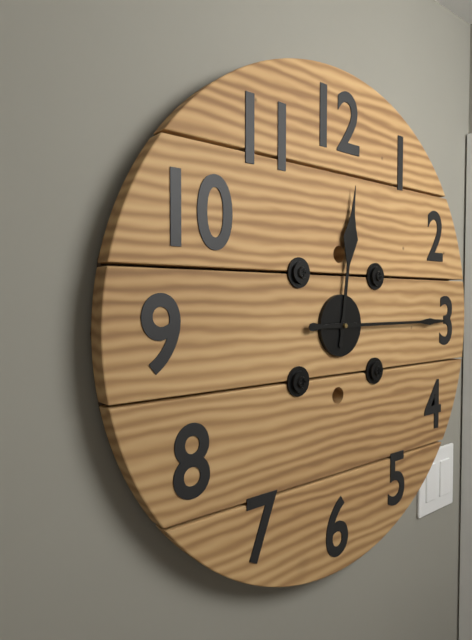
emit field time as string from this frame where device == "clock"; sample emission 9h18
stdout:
12h15
